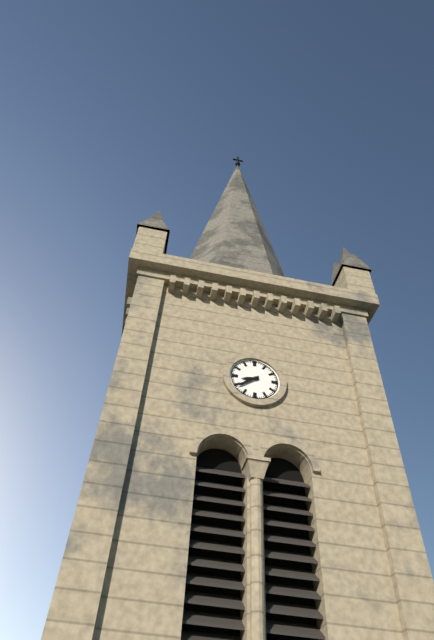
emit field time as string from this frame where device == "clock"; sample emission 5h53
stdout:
8h39
